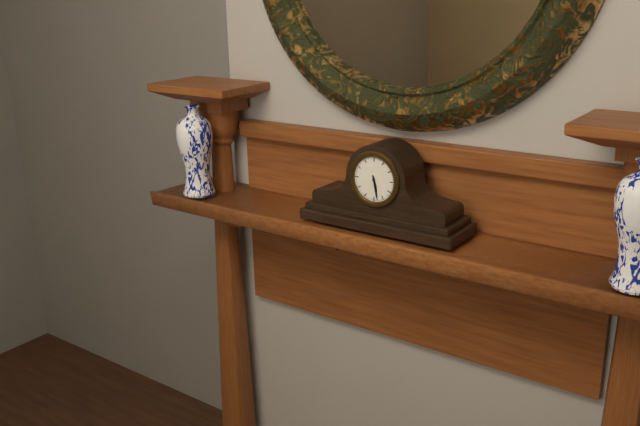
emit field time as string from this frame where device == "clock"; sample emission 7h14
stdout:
5h28
